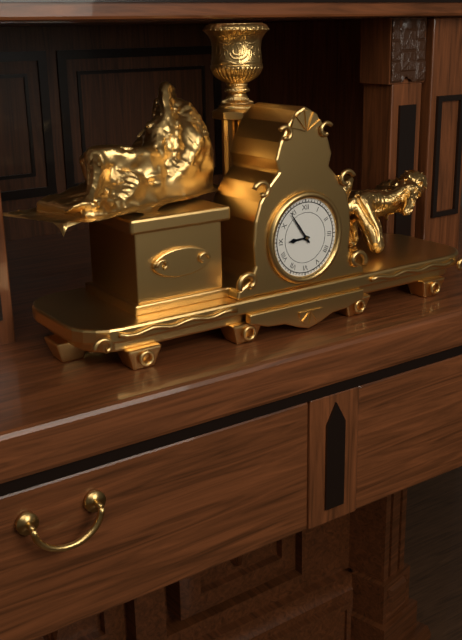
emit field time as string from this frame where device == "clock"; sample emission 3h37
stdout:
8h54
